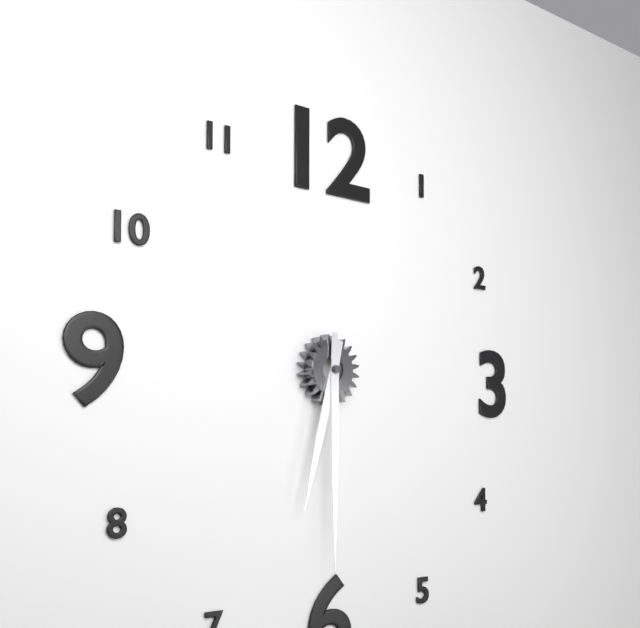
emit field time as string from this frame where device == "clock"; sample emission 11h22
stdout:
6h30
